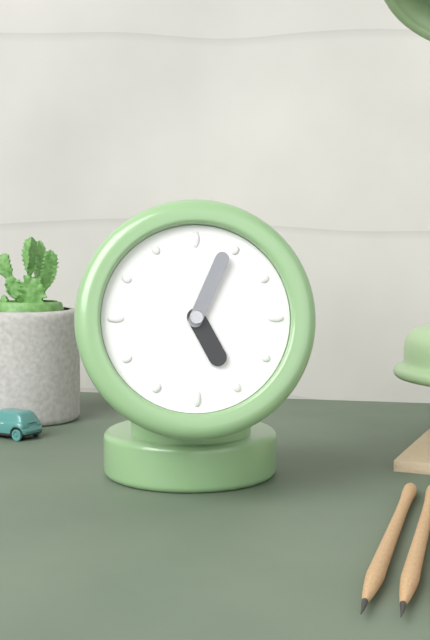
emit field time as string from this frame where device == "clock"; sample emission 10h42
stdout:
5h04
